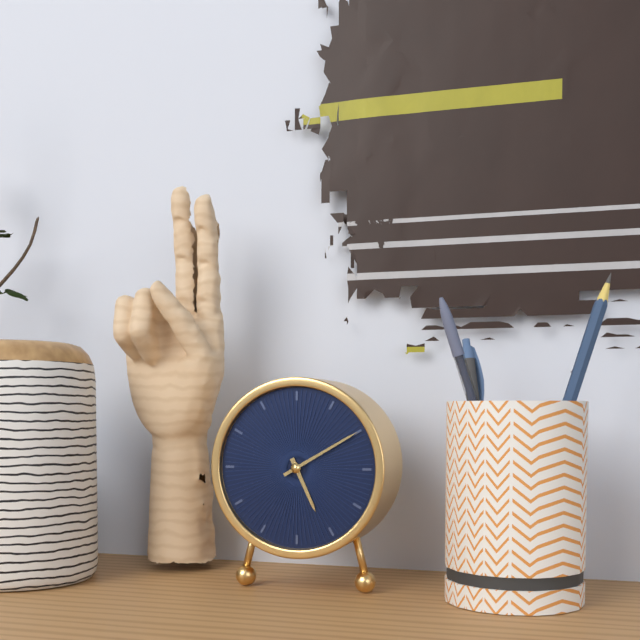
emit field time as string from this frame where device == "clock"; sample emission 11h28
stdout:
5h10
